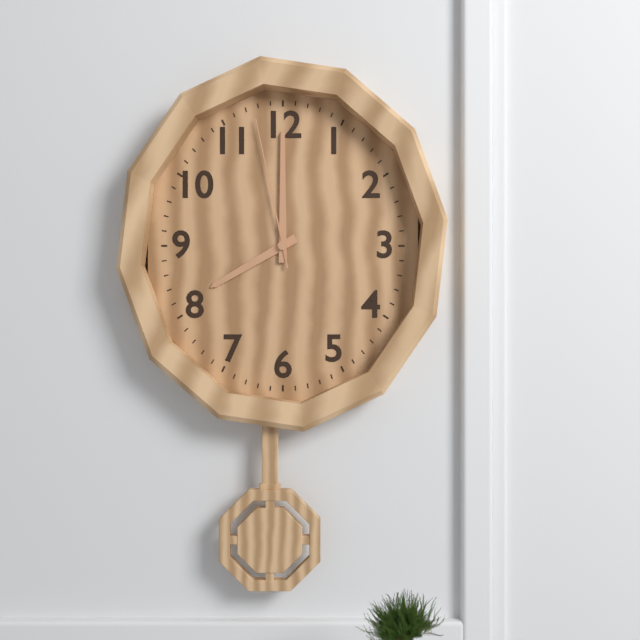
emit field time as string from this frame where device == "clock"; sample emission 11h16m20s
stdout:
8h00m58s
